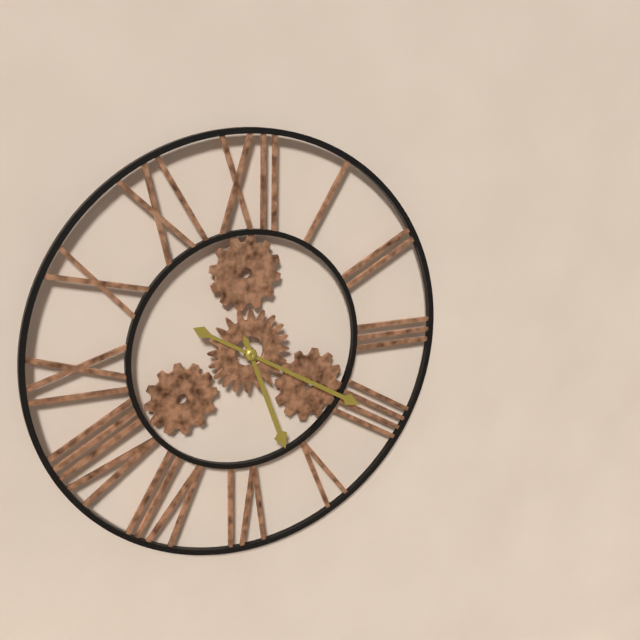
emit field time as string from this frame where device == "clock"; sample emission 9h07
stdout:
5h20
